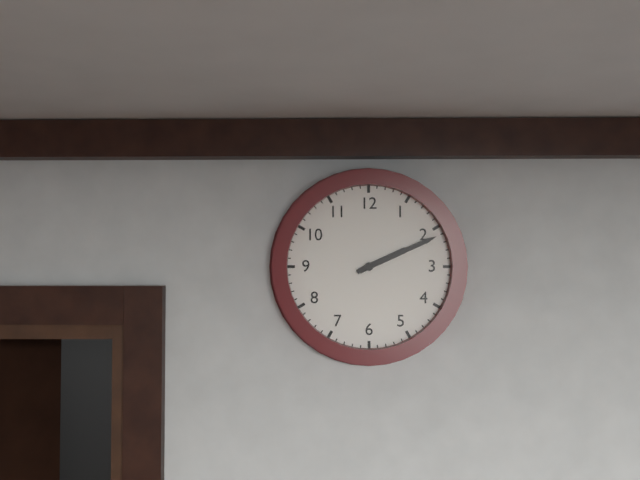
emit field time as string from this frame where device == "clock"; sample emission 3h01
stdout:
2h11
